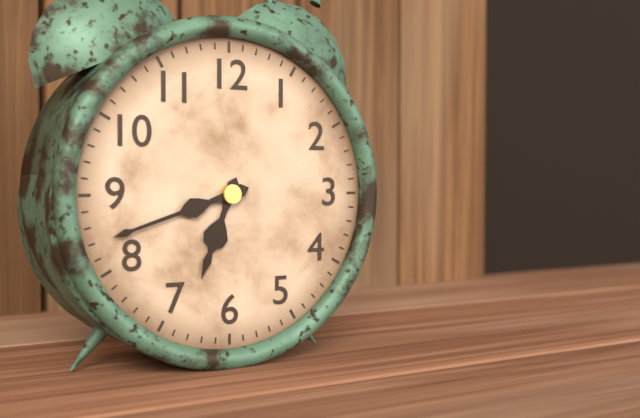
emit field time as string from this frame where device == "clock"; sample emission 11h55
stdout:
6h42
